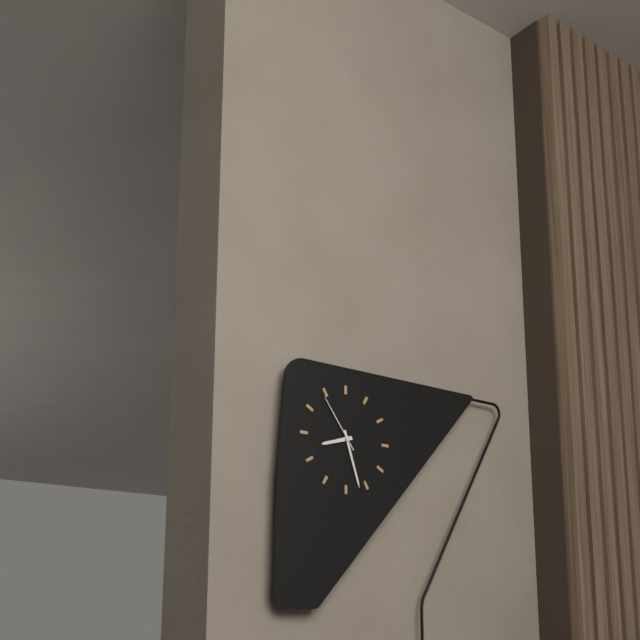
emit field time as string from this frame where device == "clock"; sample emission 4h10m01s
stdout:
8h27m54s
